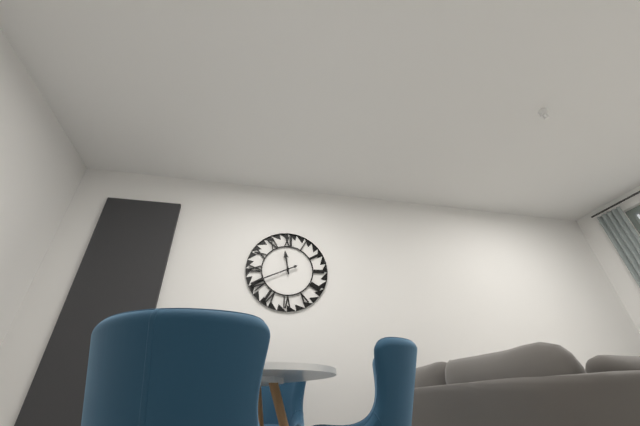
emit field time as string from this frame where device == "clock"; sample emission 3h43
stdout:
11h41
